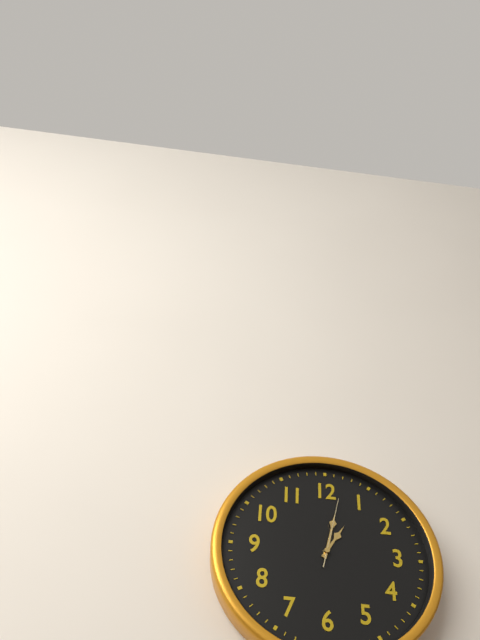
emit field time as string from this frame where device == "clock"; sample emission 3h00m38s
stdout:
1h02m02s
